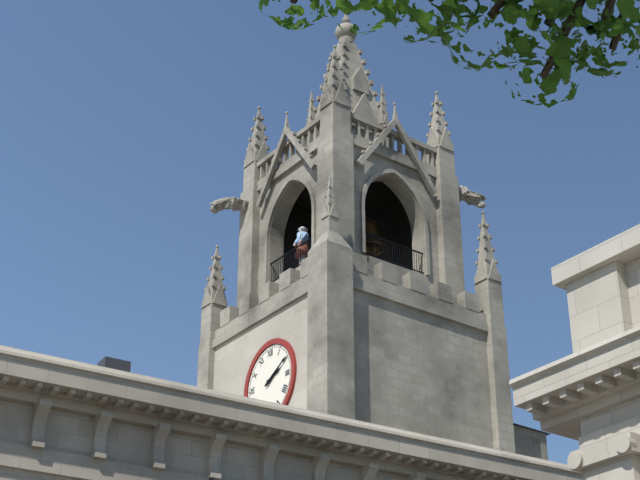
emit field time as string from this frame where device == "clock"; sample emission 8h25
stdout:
2h10
